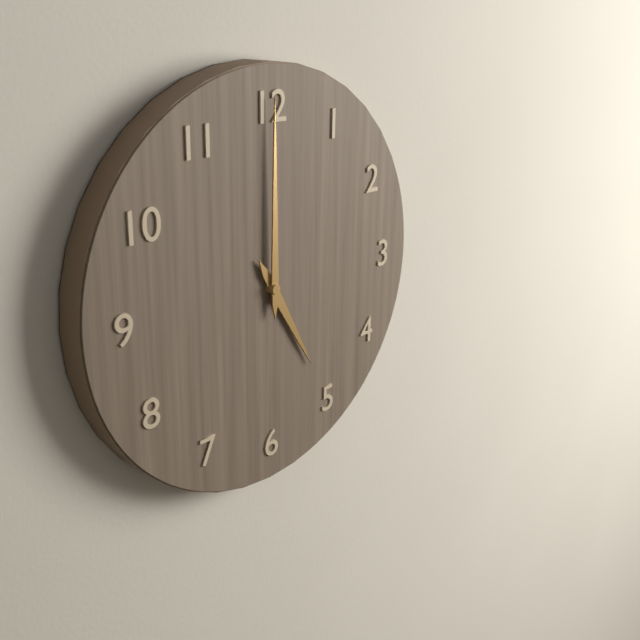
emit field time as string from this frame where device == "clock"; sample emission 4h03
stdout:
5h00
